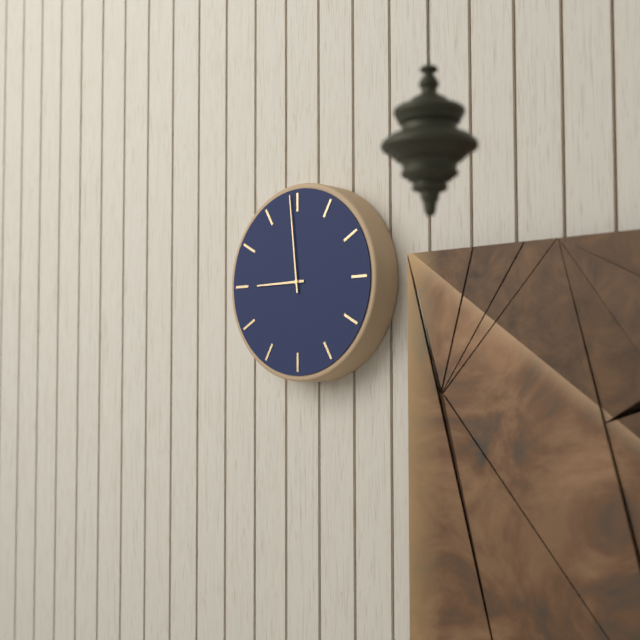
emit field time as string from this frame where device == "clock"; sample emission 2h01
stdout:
8h59
